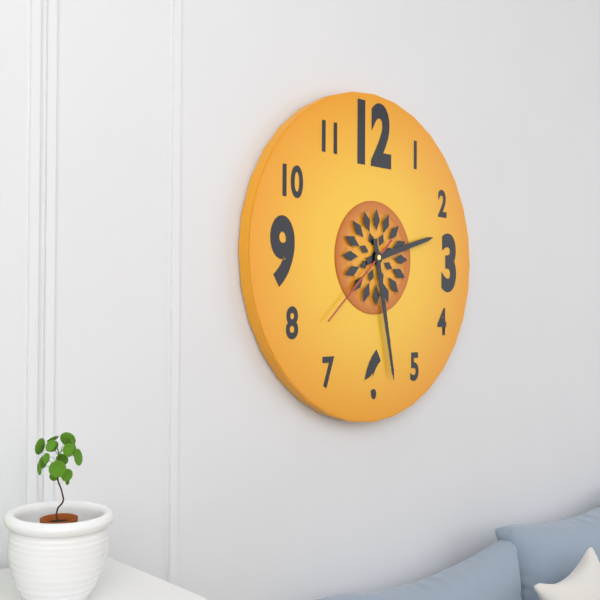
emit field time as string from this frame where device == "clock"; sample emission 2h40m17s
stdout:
2h28m38s
